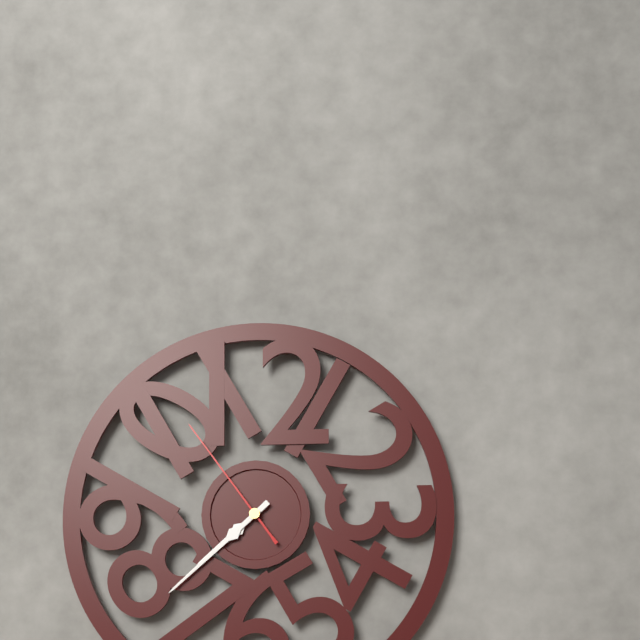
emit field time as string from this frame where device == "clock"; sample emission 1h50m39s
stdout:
7h38m54s
